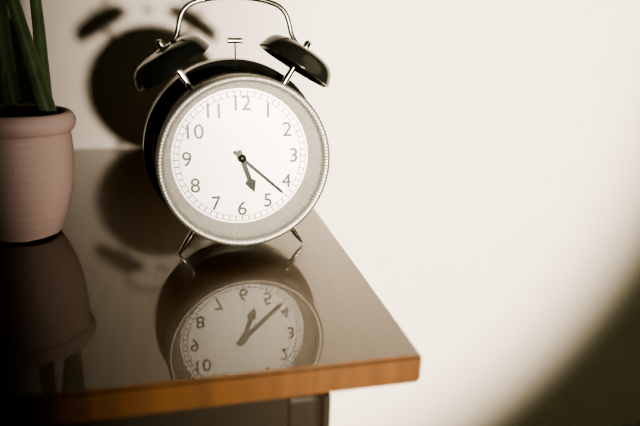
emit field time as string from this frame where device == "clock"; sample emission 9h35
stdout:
5h22
